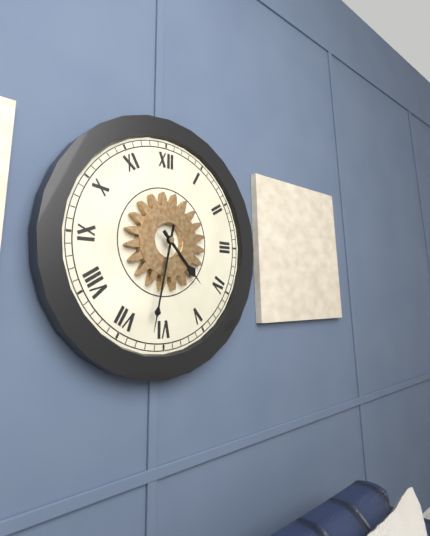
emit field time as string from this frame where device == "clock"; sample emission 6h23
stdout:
4h32
